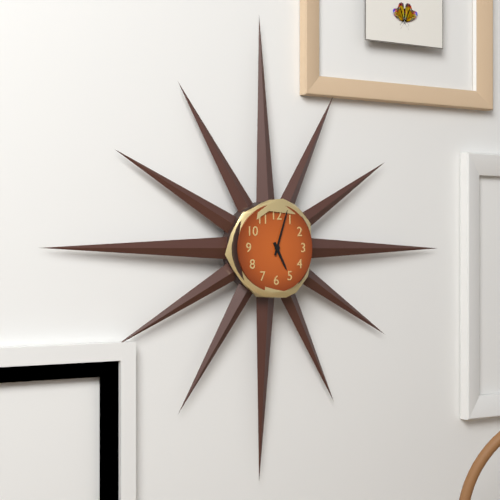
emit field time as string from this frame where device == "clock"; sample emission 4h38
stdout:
5h03
